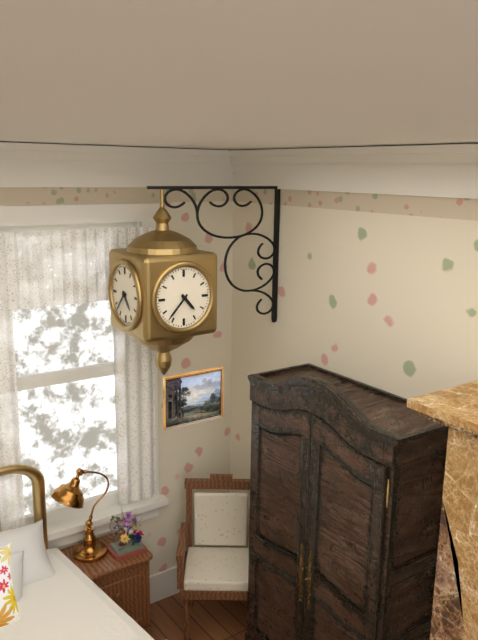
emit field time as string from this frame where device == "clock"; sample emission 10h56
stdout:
4h37
